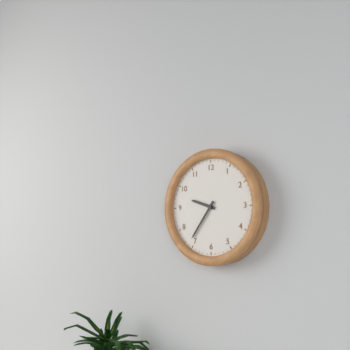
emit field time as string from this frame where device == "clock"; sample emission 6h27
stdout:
9h36
